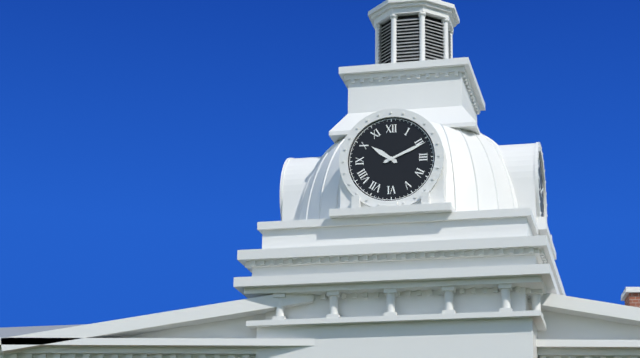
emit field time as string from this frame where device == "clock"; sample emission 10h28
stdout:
10h11
